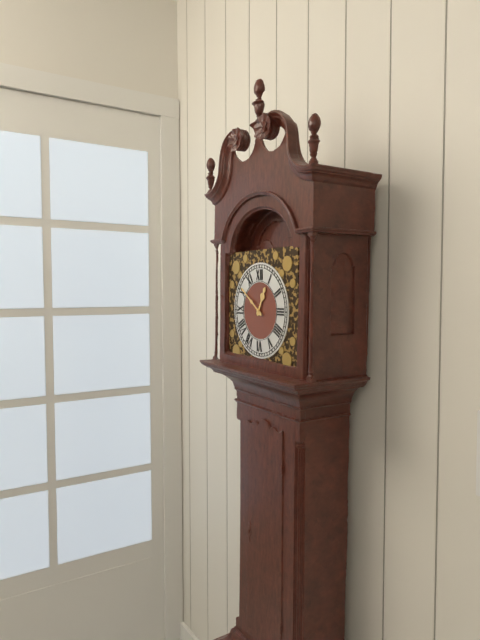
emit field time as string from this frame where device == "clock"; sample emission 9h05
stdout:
12h51
